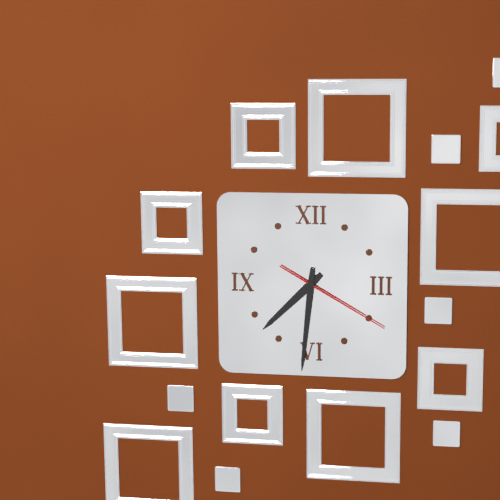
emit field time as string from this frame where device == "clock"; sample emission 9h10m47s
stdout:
7h31m20s
